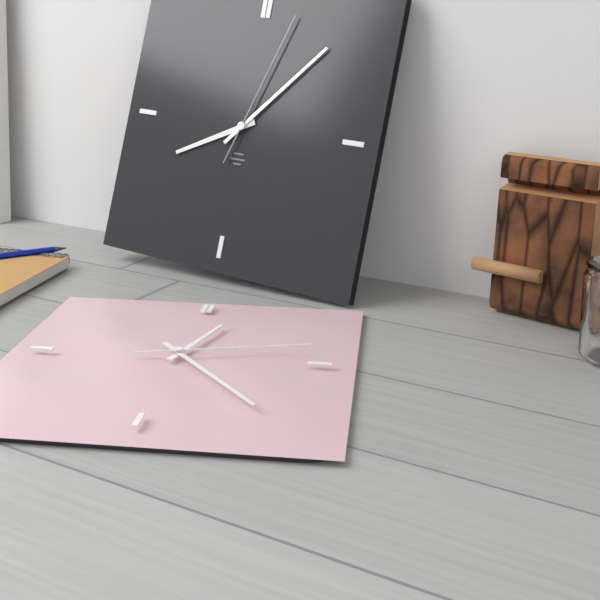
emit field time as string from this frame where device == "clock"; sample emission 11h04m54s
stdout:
8h07m03s
